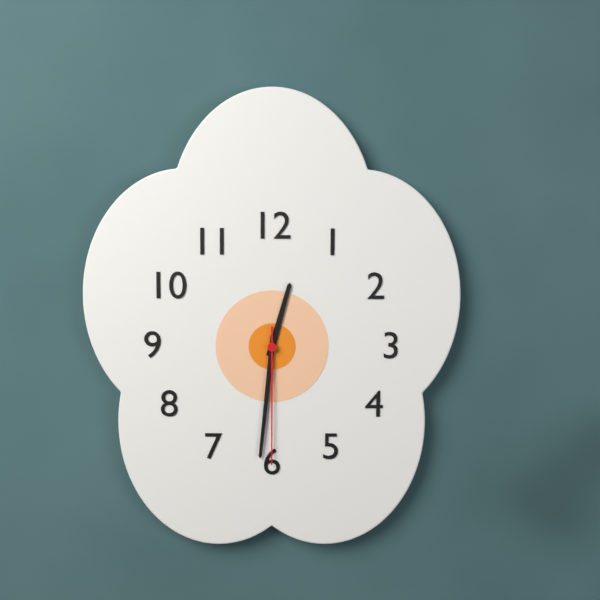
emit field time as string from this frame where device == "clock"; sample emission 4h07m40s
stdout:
12h31m30s
